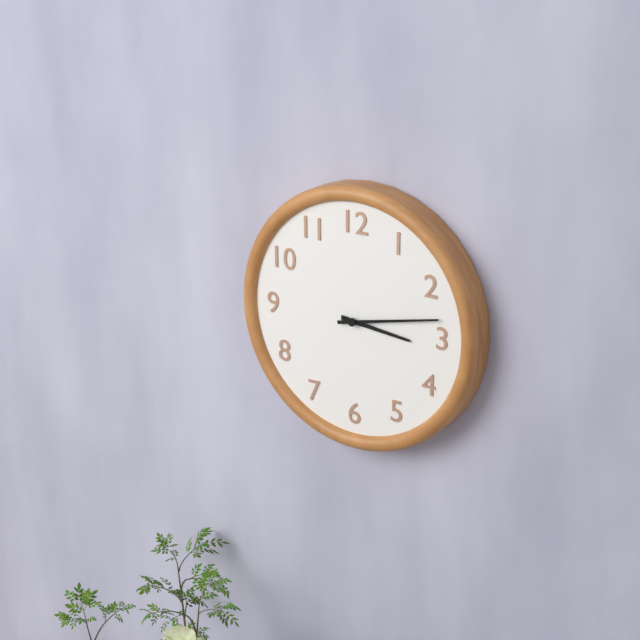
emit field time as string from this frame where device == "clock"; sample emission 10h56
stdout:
3h13
